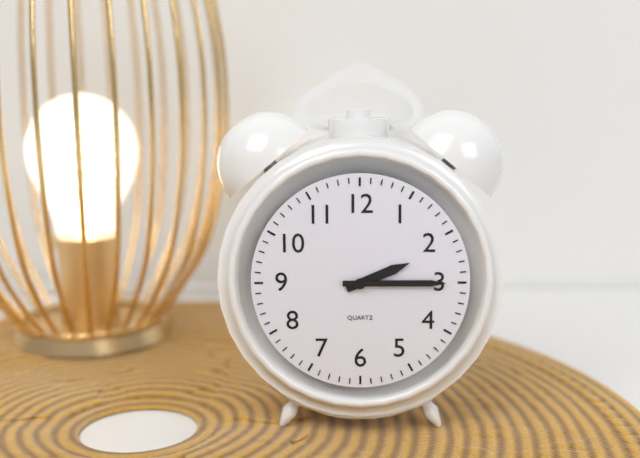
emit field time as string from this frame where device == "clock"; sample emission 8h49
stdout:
2h15
